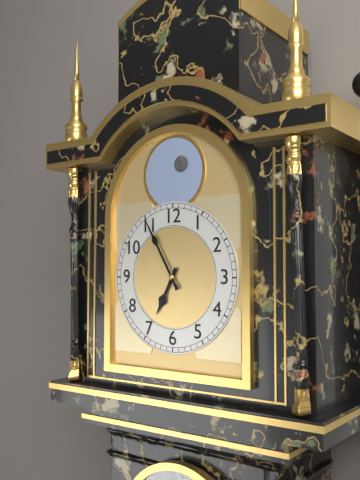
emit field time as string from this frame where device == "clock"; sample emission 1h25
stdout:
6h55
